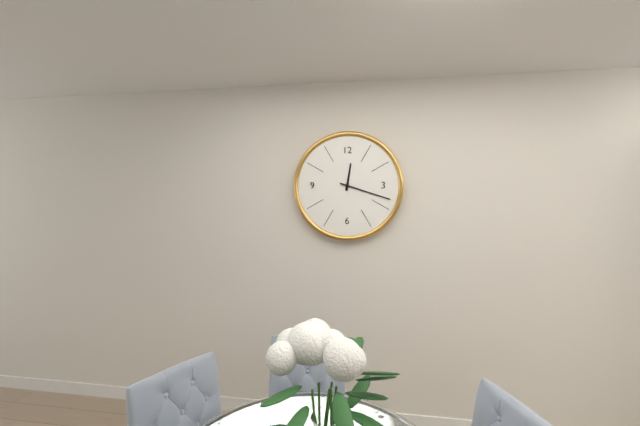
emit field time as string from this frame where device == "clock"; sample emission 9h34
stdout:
12h18
